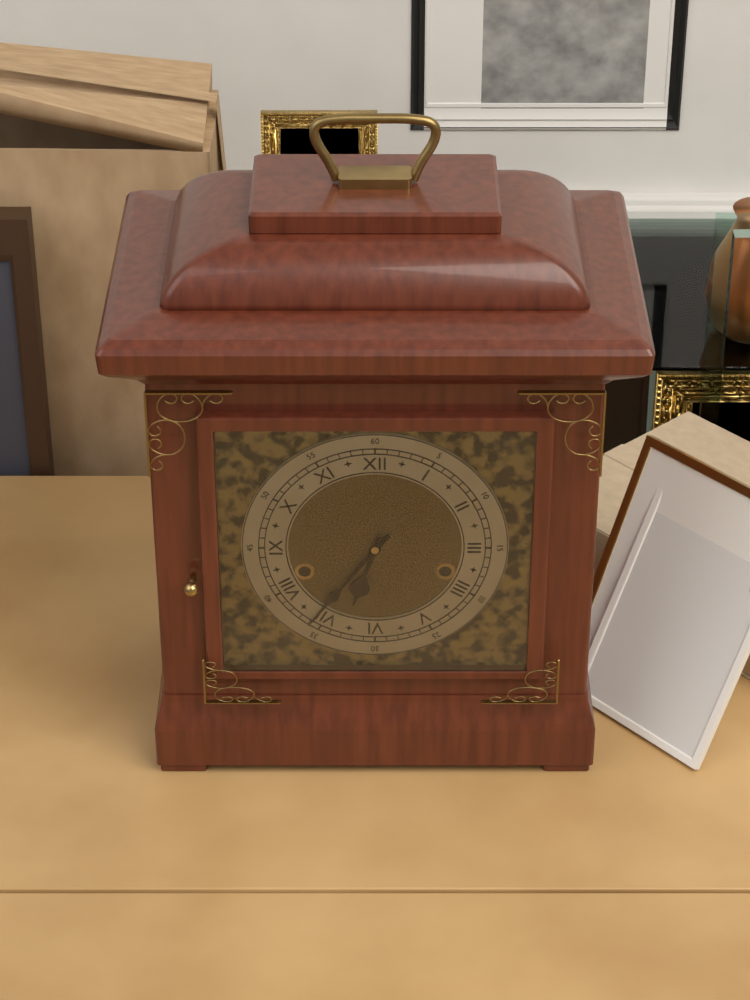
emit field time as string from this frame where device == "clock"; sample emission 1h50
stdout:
6h36
